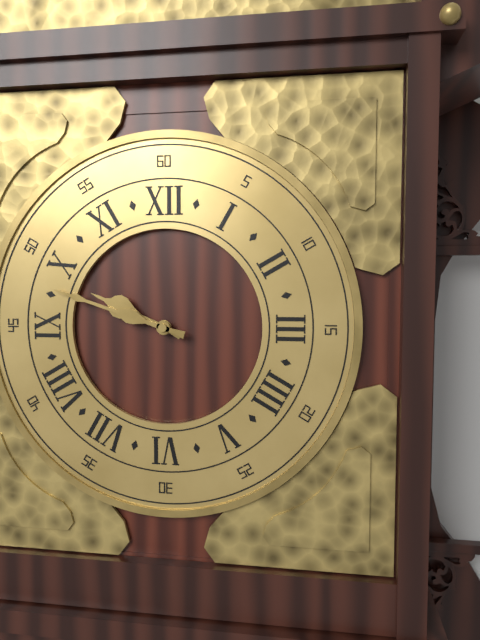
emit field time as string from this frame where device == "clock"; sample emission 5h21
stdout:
9h48
